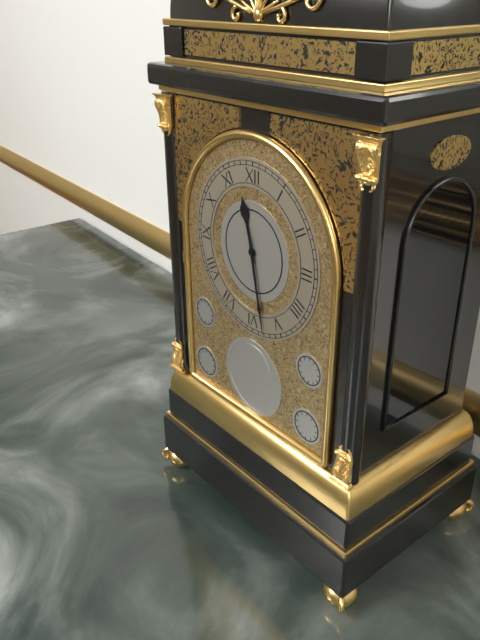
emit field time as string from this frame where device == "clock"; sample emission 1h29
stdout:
11h28
